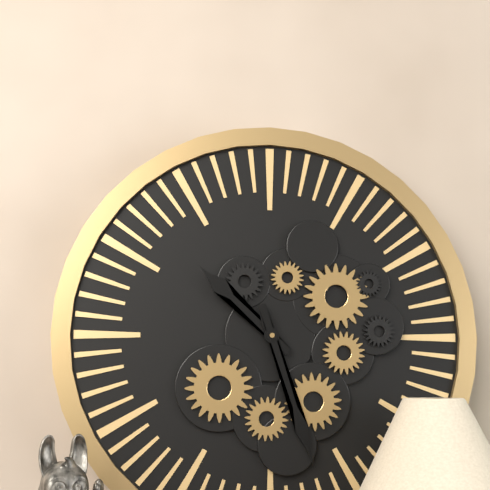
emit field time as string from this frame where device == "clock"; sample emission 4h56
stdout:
10h27
